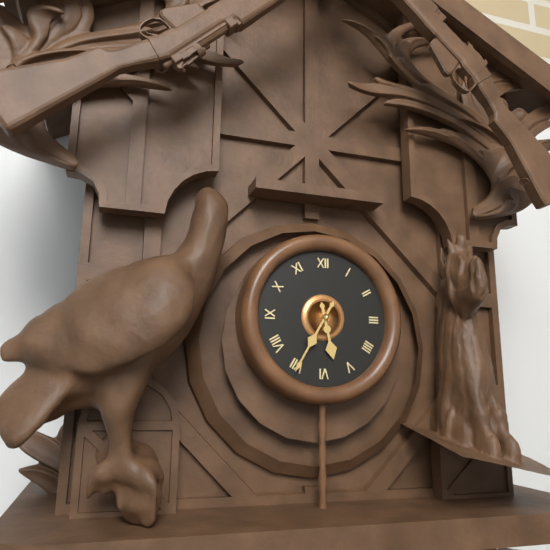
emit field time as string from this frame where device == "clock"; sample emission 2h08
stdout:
5h35
